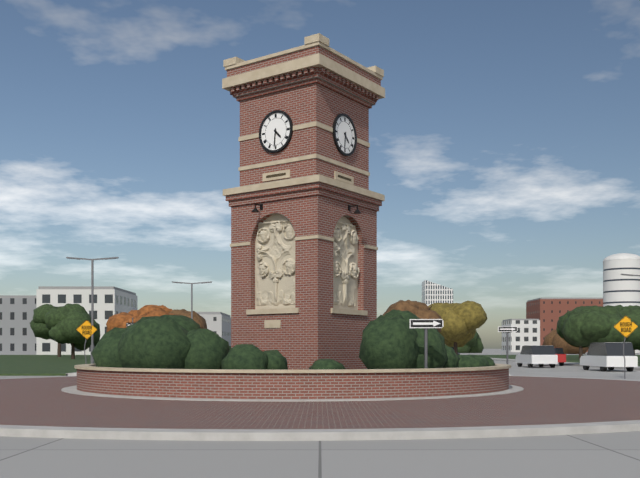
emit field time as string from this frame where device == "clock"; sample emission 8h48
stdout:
4h31
